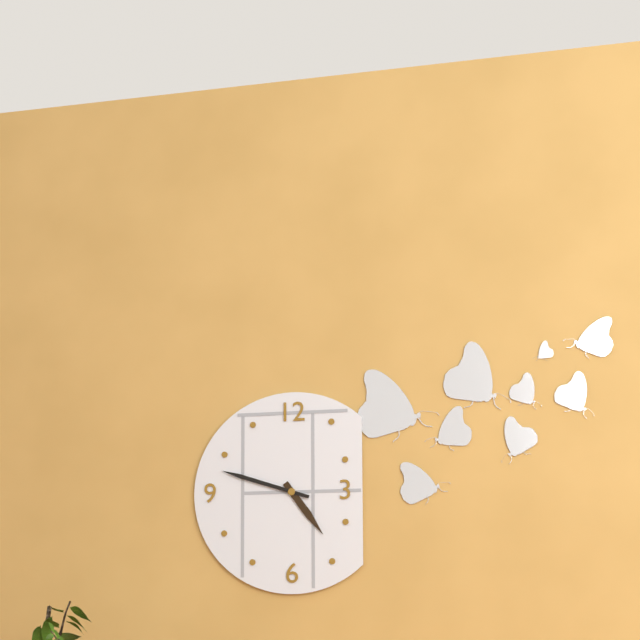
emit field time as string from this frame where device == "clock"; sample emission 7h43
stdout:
4h48
